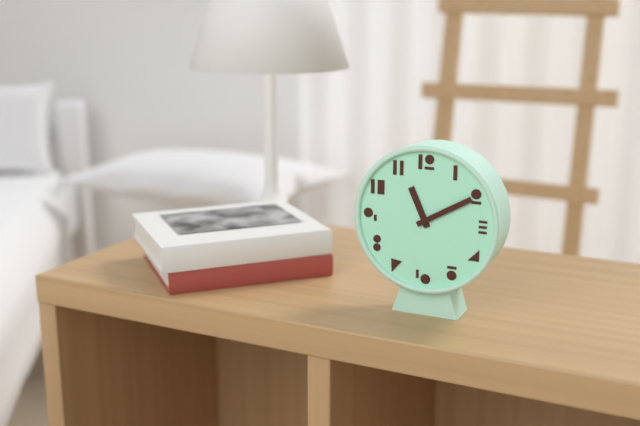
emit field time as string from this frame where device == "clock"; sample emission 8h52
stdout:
11h10
